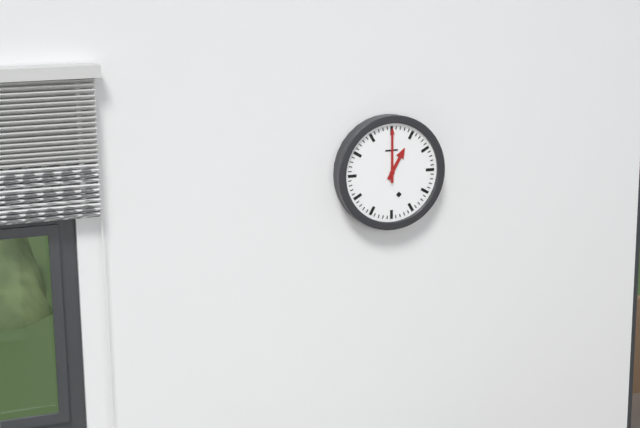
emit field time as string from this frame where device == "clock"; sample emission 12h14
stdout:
1h00
